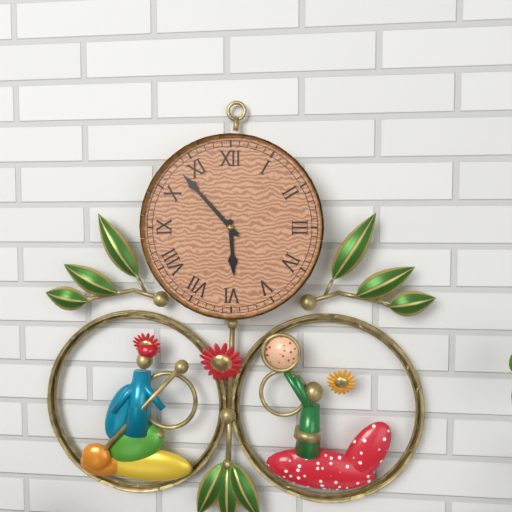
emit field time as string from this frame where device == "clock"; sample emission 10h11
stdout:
5h53
